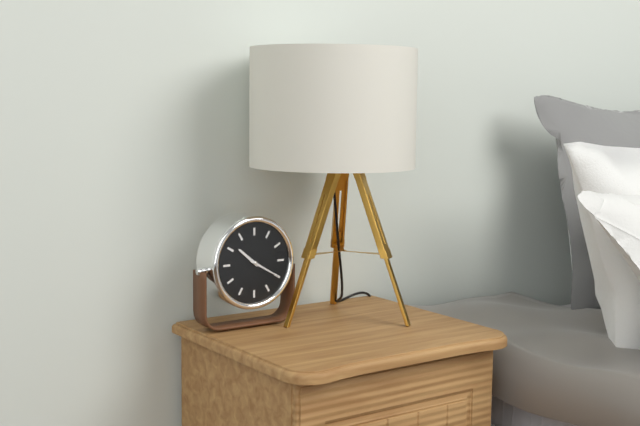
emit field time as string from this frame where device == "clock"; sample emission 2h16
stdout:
10h20
